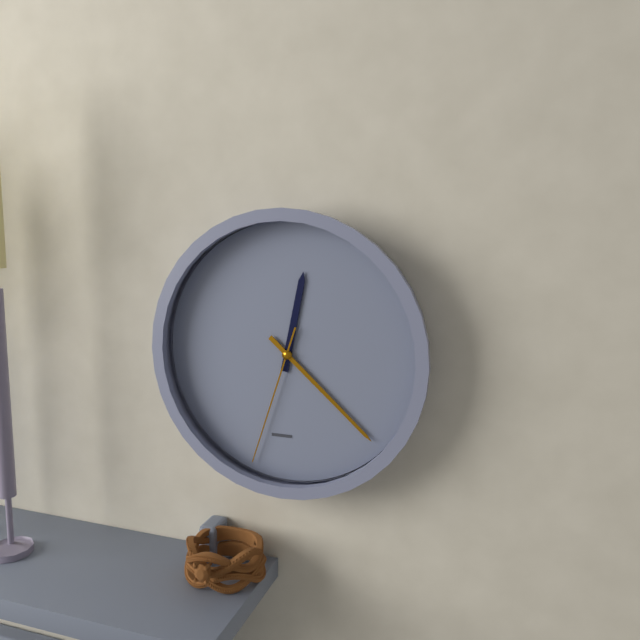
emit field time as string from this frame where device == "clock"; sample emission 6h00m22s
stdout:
12h22m33s
